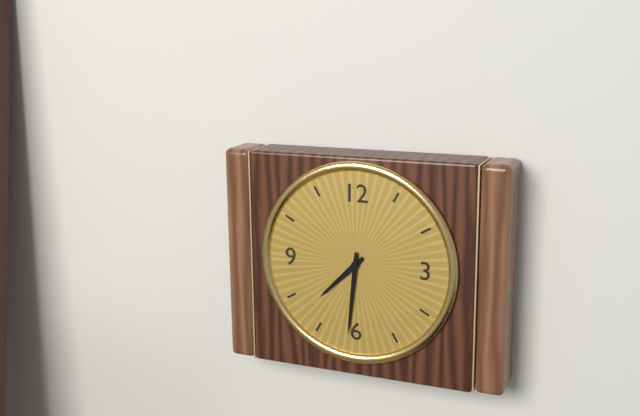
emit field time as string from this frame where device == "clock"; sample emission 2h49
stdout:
7h31
